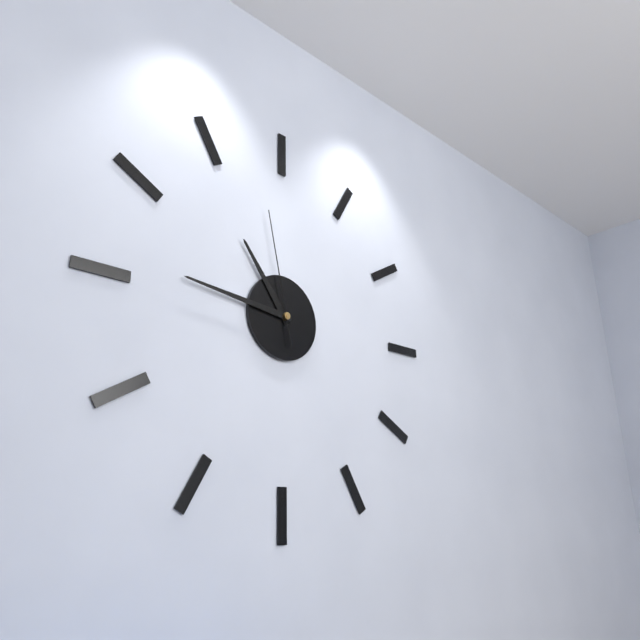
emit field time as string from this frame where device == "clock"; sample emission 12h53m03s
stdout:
10h46m58s
